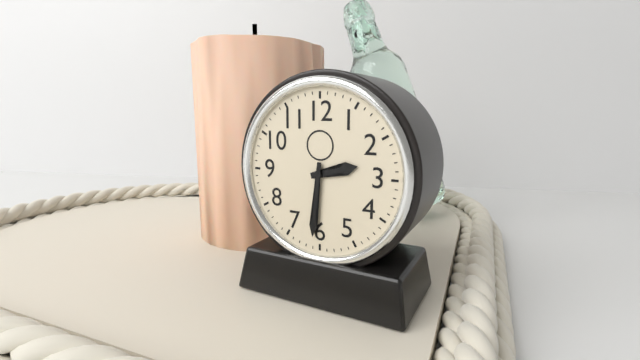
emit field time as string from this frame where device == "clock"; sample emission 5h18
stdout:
2h31
